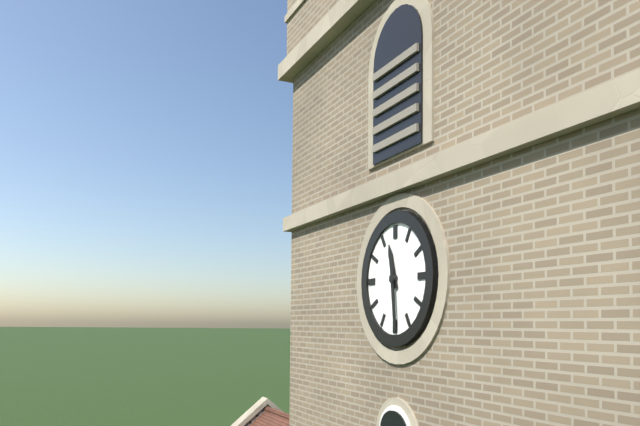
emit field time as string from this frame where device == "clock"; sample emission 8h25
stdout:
11h29
